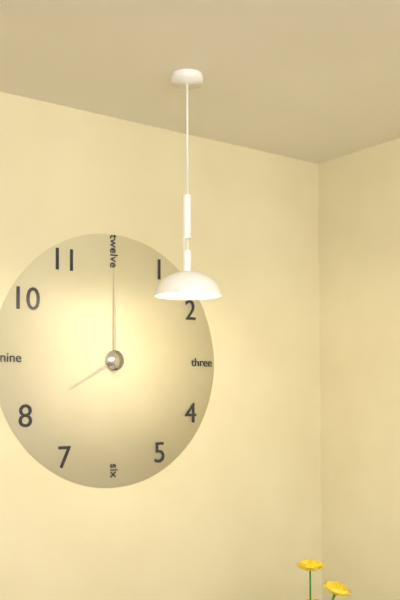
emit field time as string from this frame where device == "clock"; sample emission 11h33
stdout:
8h00
